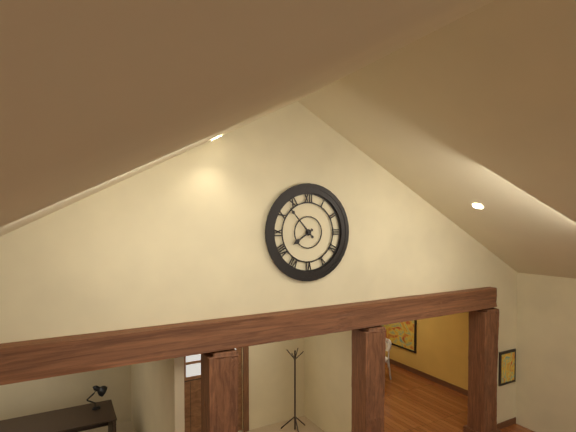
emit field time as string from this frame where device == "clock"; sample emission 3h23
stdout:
7h53
